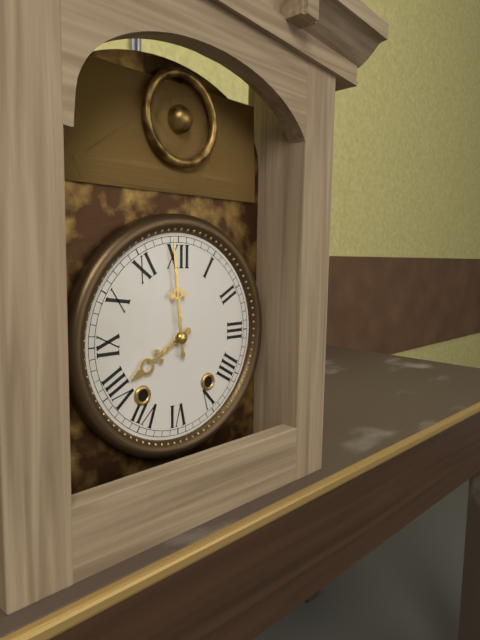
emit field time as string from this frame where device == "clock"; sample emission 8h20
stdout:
7h59
